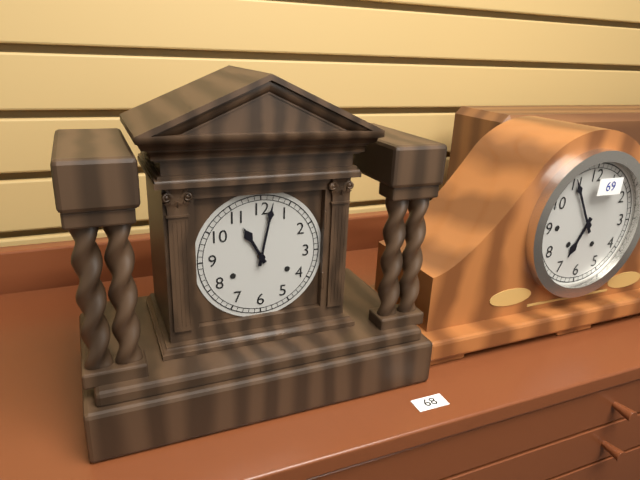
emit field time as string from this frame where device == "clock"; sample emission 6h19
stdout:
11h02
